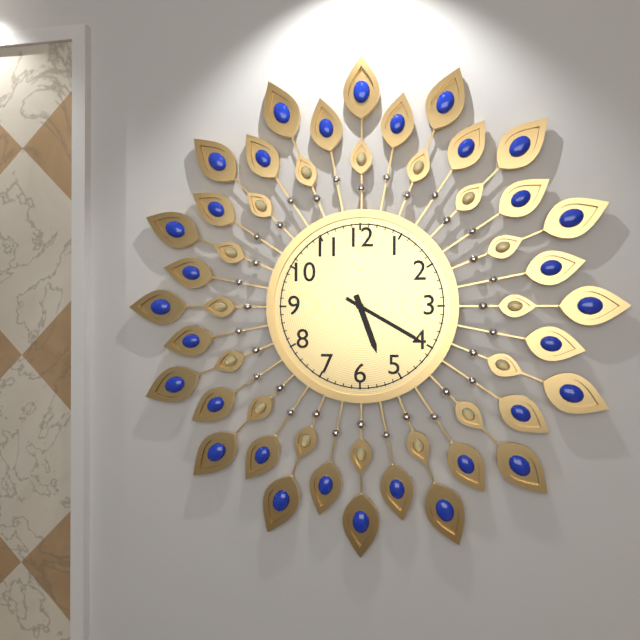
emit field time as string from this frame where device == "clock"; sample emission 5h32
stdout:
5h20
